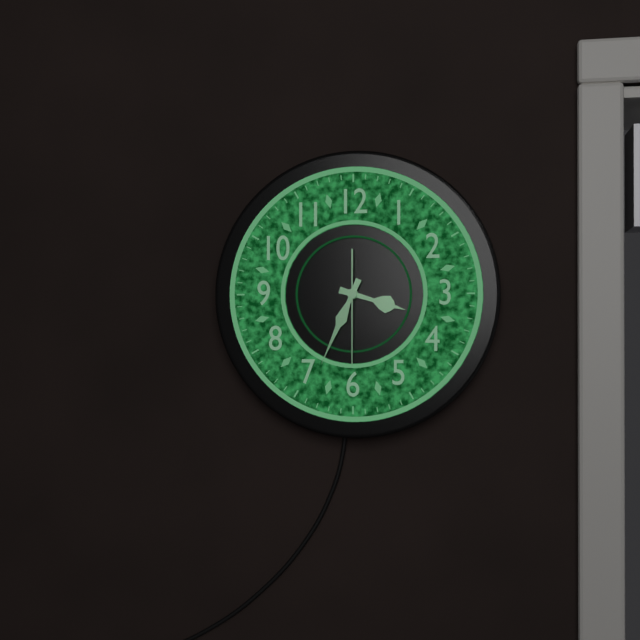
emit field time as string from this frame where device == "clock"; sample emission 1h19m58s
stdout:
3h34m30s
